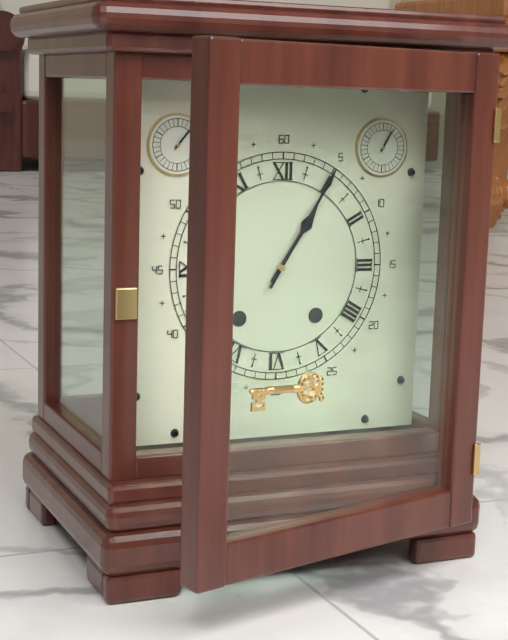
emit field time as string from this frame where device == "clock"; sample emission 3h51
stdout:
1h05
